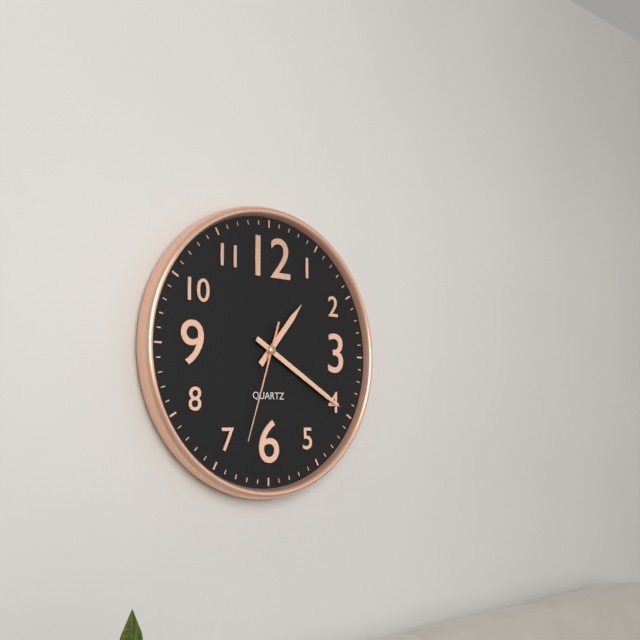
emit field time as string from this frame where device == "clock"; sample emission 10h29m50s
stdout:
1h20m33s
